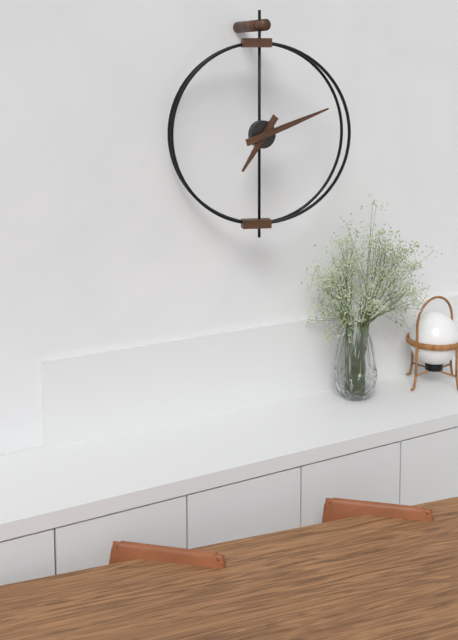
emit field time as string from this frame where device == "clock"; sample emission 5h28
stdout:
7h12
